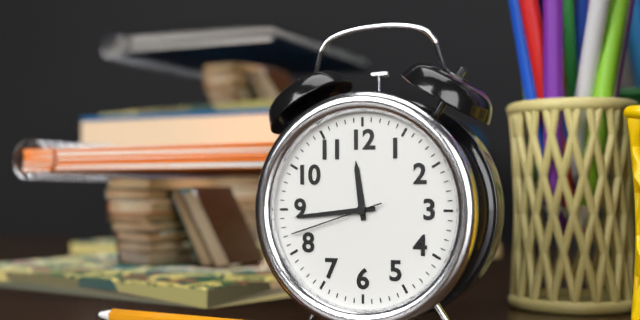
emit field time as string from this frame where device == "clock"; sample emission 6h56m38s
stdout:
11h44m42s
